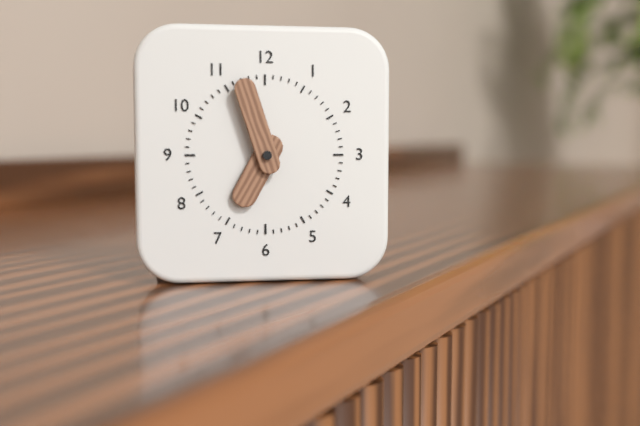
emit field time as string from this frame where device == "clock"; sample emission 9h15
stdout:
6h57
